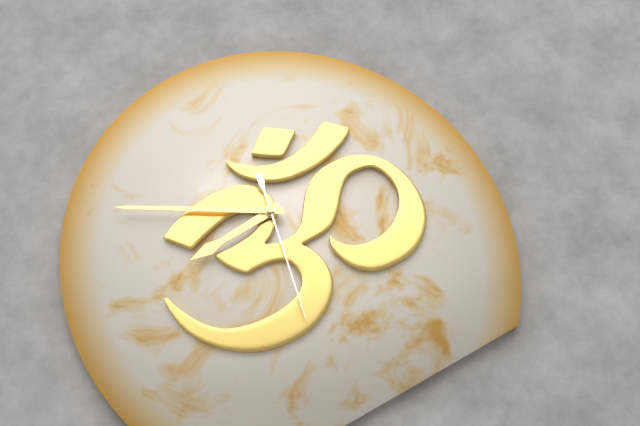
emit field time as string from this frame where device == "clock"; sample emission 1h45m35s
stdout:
8h50m32s
